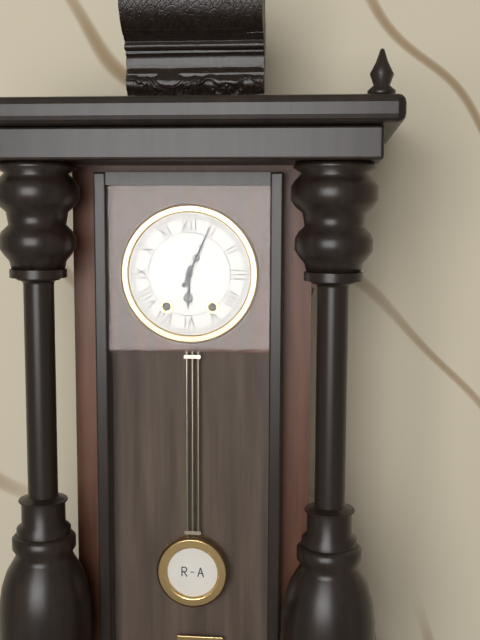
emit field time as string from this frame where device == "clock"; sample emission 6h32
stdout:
6h04
